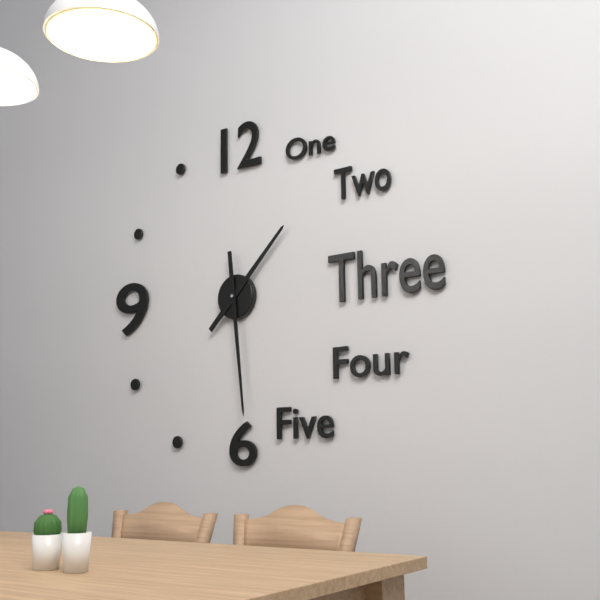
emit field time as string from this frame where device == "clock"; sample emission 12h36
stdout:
1h29
